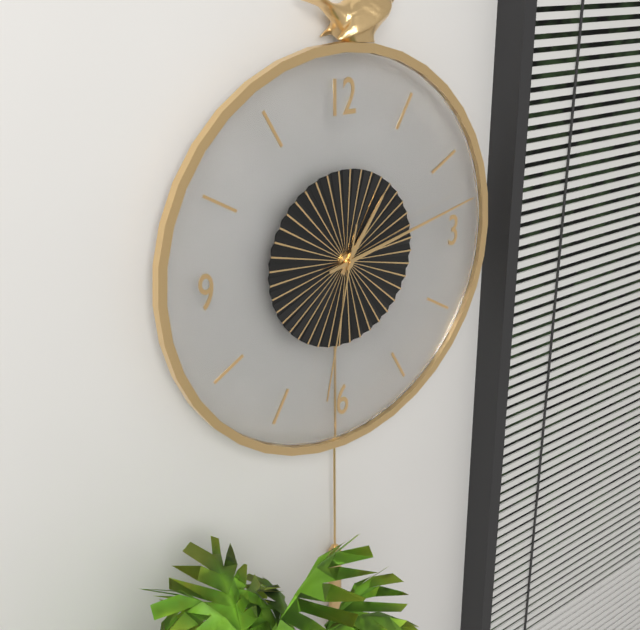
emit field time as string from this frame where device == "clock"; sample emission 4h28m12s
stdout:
1h13m32s
